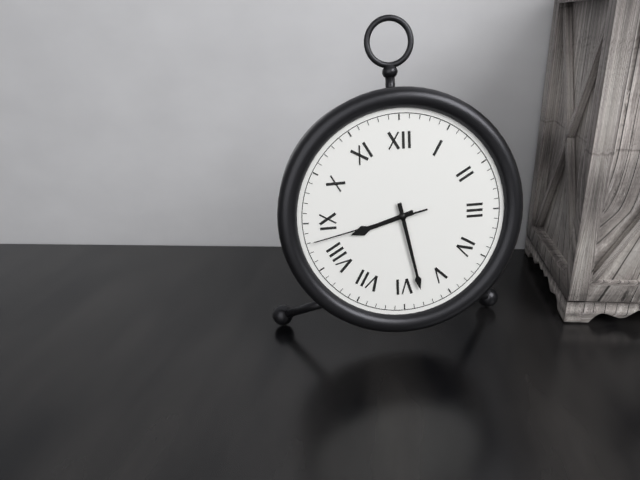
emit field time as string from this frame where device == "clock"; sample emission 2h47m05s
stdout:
8h28m43s
